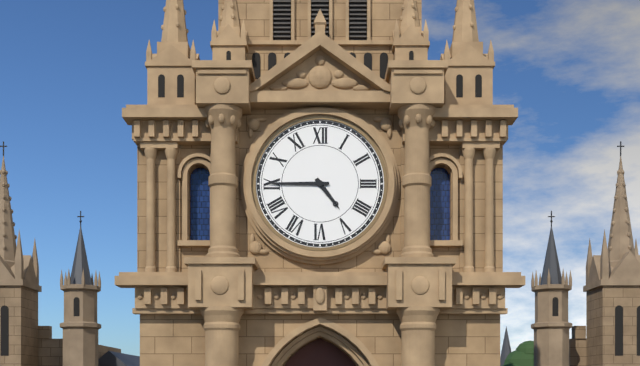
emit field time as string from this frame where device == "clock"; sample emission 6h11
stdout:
4h45
